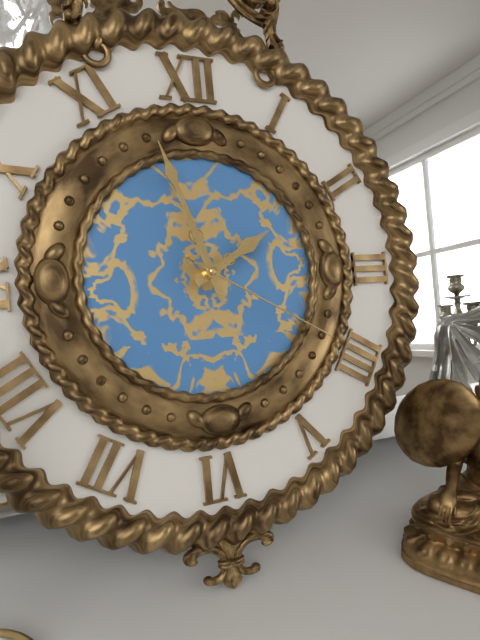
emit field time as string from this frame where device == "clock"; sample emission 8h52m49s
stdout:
1h57m20s
